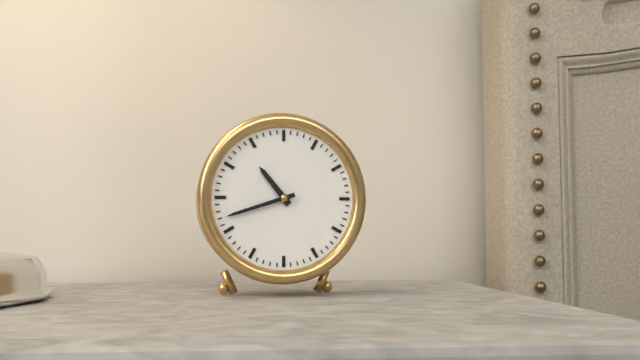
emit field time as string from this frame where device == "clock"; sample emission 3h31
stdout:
10h42
